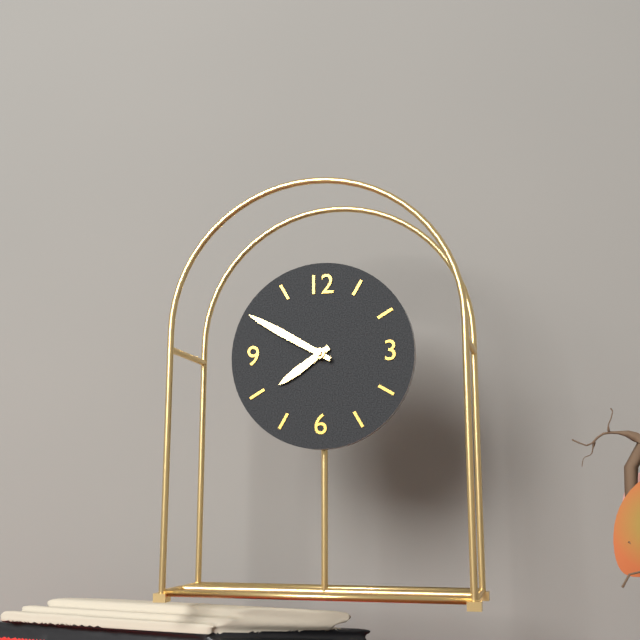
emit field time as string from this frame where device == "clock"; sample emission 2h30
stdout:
7h50
